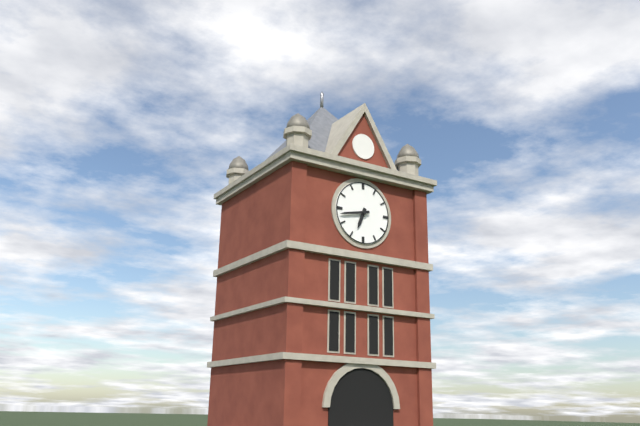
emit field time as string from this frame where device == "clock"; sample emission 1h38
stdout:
6h43
